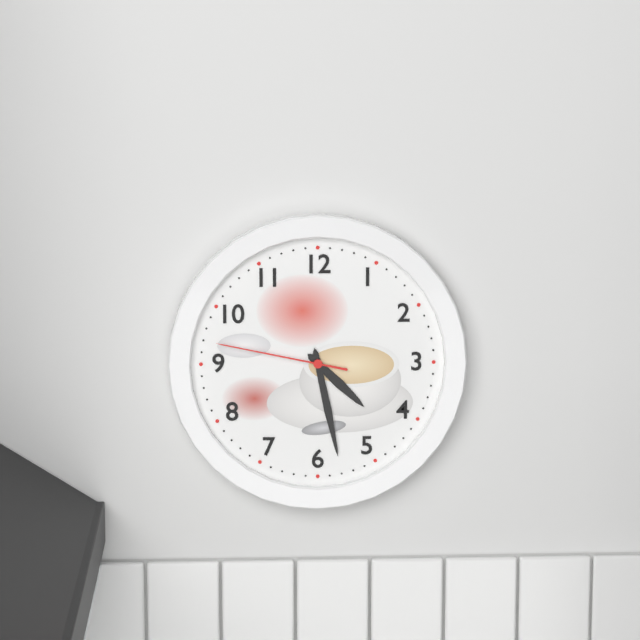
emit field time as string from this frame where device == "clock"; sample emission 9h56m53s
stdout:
4h28m47s
